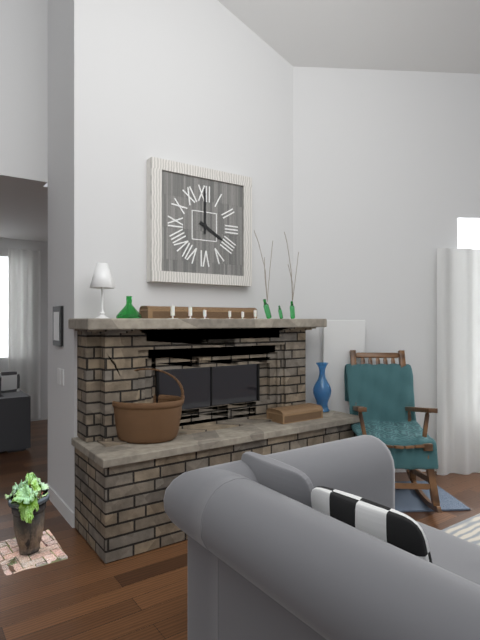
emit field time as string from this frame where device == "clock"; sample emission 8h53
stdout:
4h00
